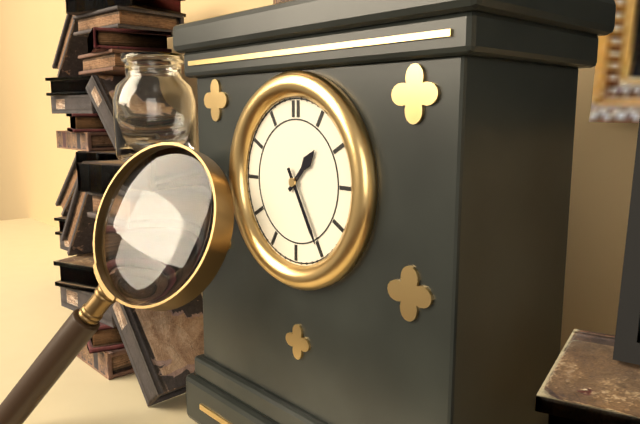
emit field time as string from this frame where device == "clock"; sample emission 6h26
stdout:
1h25
